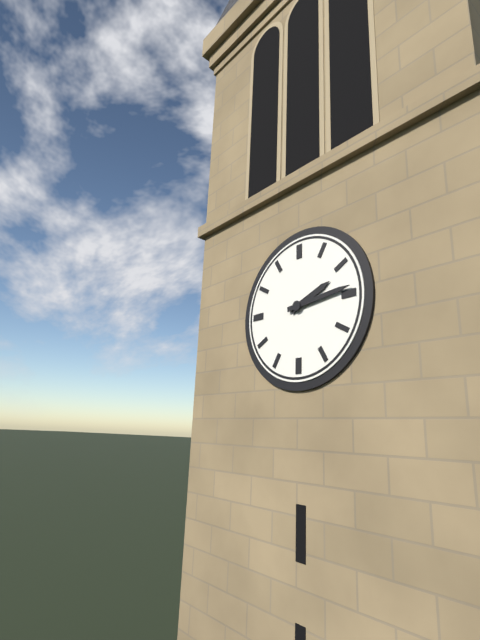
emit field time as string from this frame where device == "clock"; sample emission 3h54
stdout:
2h14
